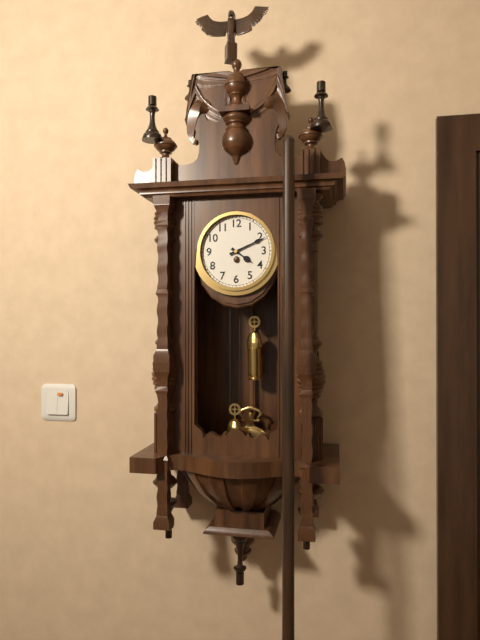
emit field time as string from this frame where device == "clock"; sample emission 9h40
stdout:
4h11
